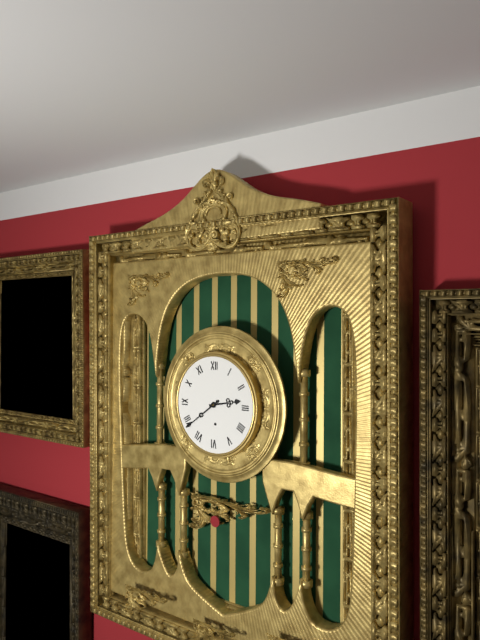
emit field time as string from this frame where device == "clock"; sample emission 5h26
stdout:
2h39
